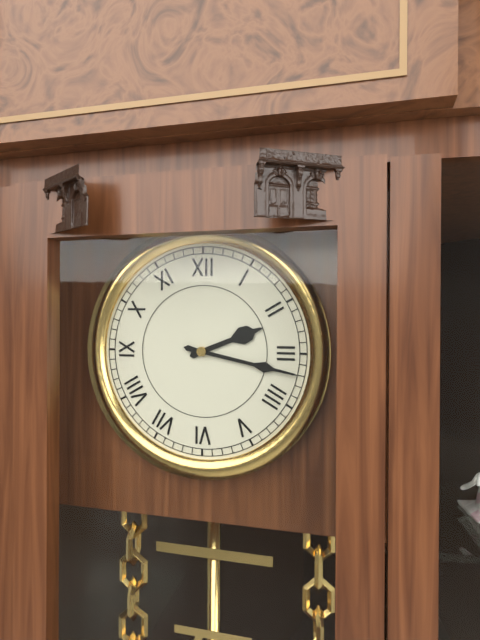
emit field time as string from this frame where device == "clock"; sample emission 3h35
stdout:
2h17
